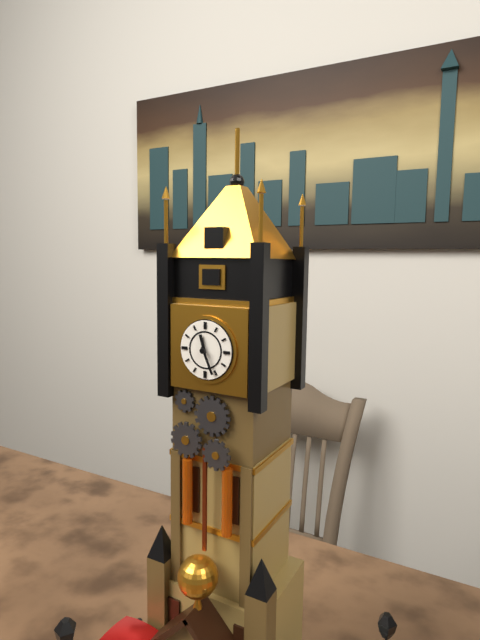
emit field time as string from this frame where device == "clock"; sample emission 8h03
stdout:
11h26
